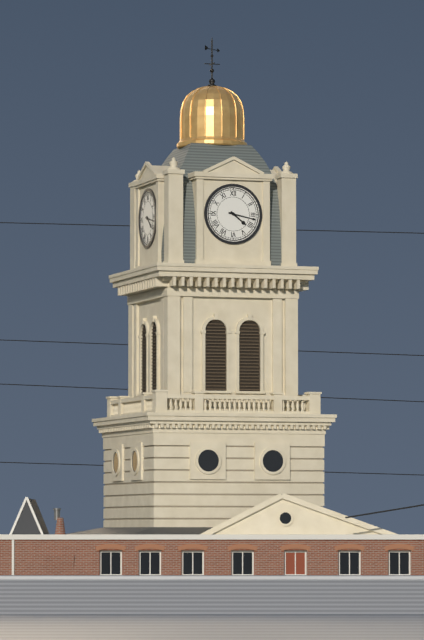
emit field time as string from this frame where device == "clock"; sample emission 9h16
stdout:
4h17
